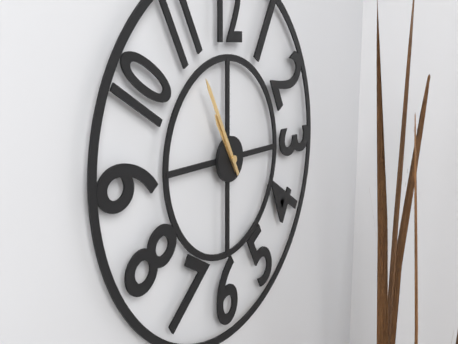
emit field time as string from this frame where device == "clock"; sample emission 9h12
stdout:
10h55
